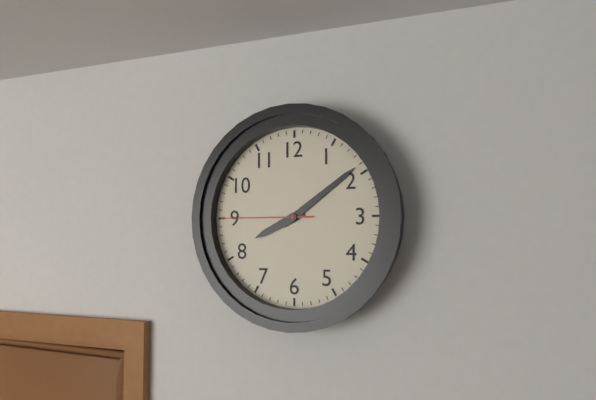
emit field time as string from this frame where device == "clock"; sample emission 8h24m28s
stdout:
8h09m45s
